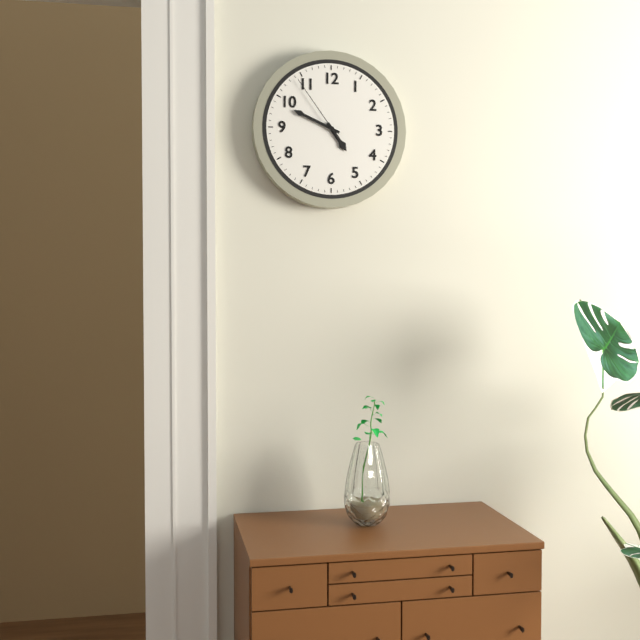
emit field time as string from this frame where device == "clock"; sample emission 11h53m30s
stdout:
4h49m54s
